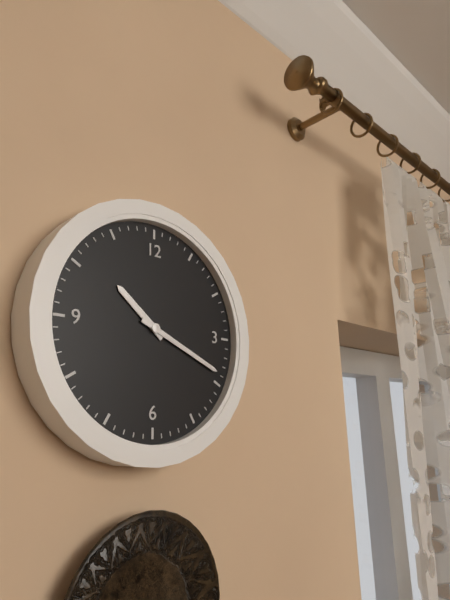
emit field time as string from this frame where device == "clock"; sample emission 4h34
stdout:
10h19
